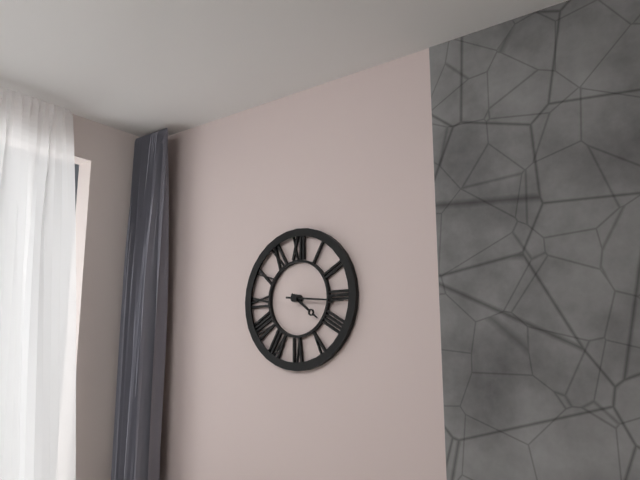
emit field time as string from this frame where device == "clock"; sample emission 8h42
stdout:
4h16
